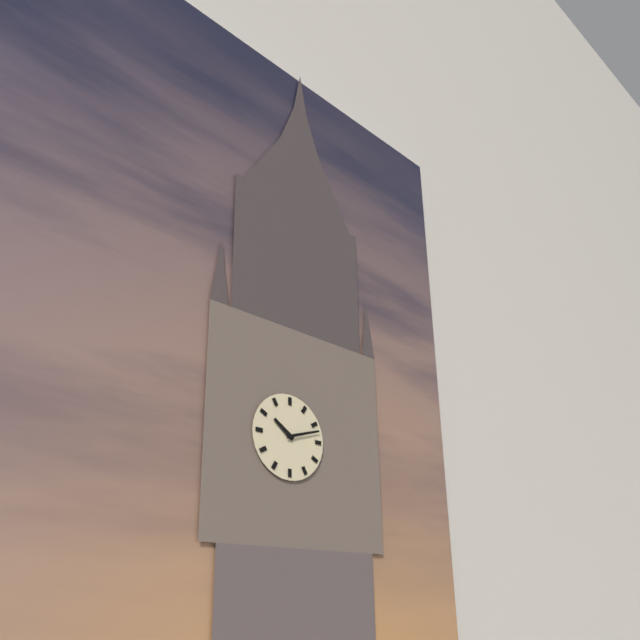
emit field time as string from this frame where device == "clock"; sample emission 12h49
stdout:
10h12
